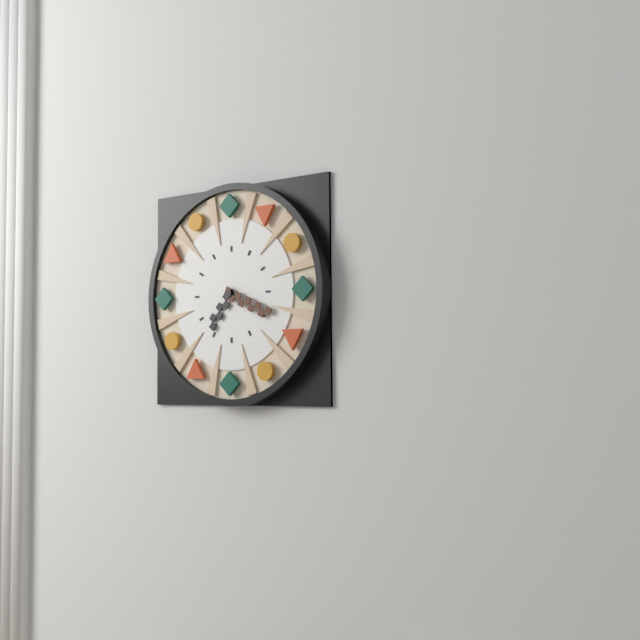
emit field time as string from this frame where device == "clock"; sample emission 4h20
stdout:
7h19
